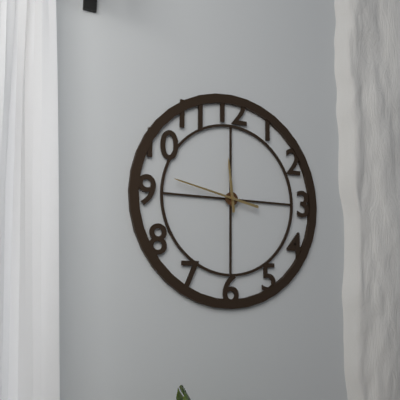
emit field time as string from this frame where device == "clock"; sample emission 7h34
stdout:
11h47
